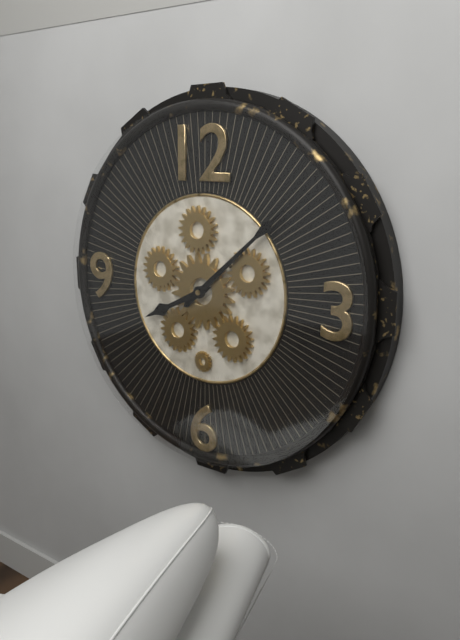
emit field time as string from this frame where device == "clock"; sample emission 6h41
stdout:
8h08
